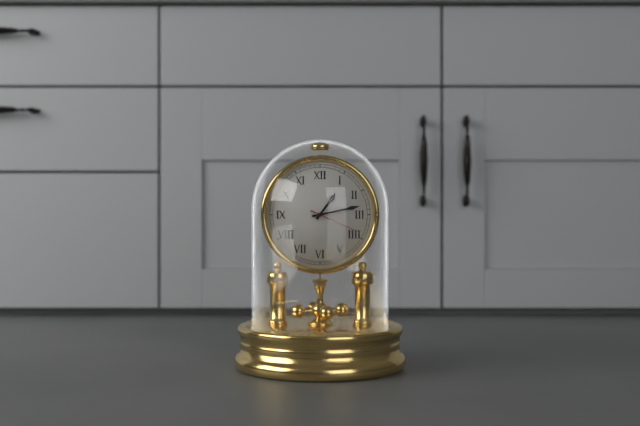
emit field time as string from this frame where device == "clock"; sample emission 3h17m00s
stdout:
1h13m19s
